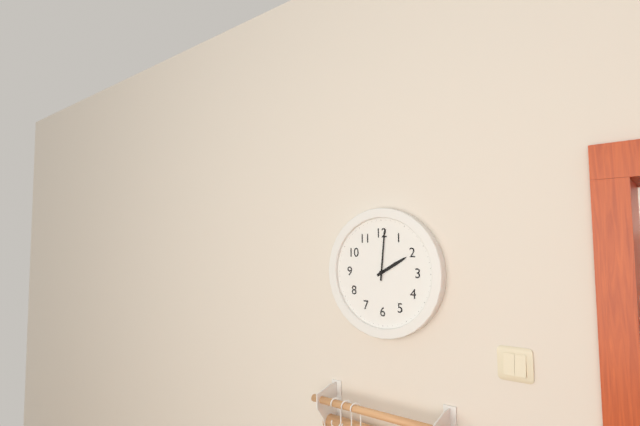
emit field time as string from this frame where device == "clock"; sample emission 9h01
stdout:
2h01
